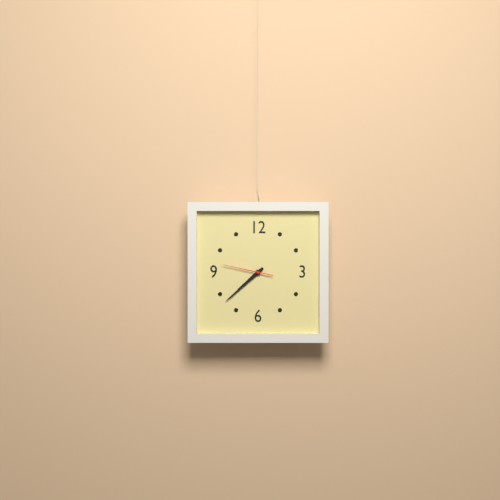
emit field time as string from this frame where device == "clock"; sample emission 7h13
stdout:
7h38
